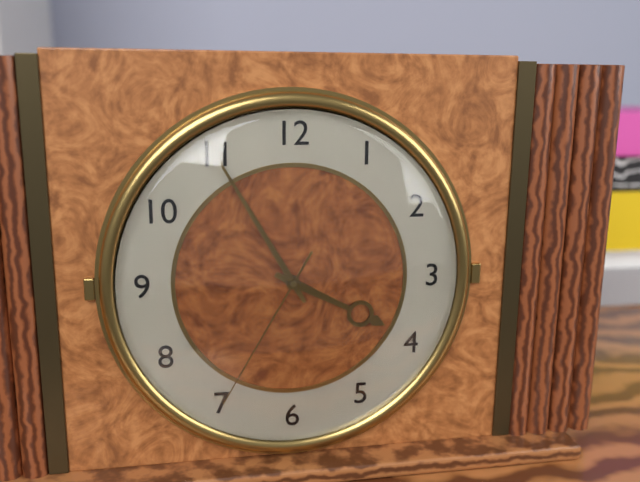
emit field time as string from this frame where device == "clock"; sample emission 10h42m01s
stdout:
3h55m35s
